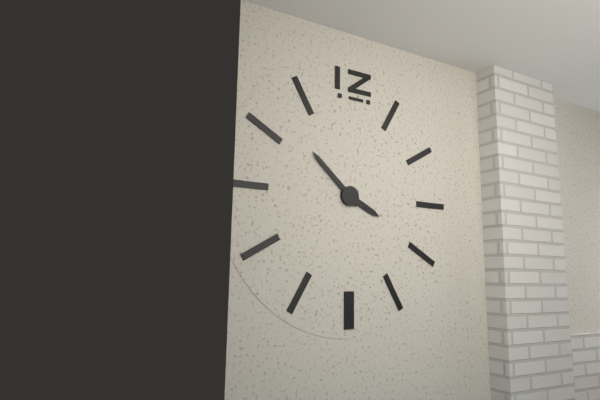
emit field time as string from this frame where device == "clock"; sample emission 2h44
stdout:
3h52
